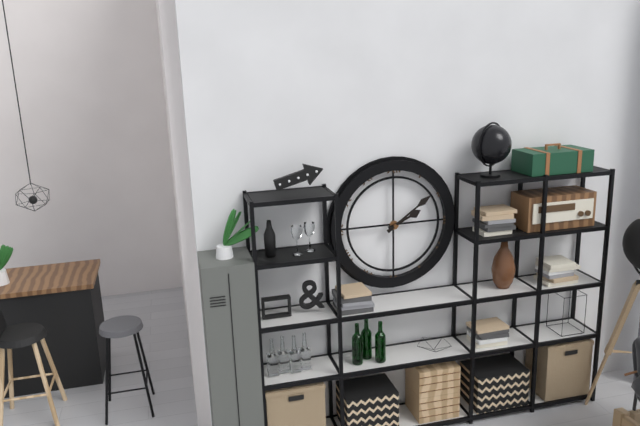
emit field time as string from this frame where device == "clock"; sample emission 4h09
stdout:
2h09
